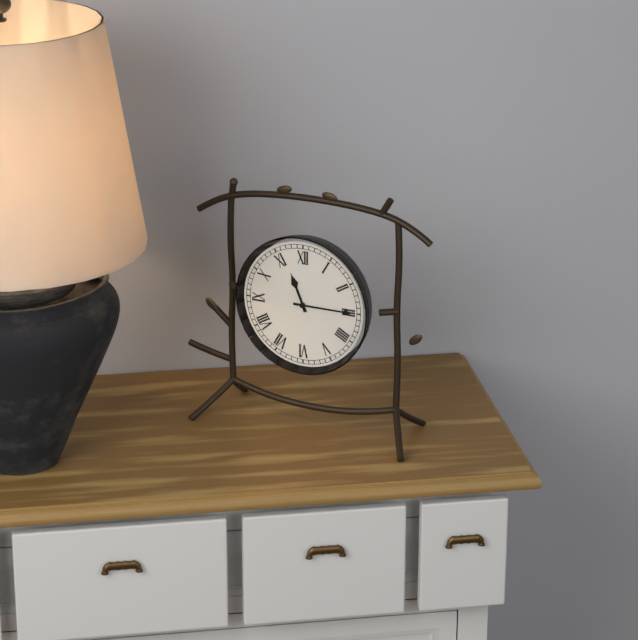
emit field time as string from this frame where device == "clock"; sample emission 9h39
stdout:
11h15
